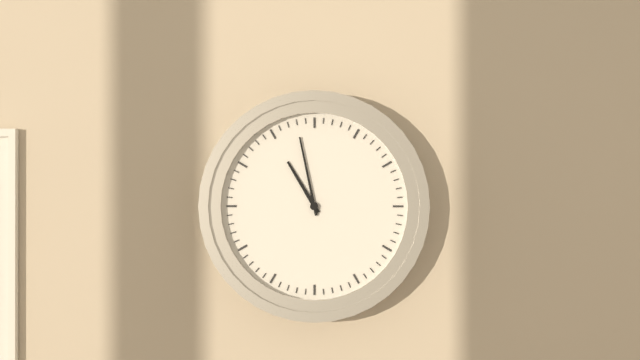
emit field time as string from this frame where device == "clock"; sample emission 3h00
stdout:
10h58
